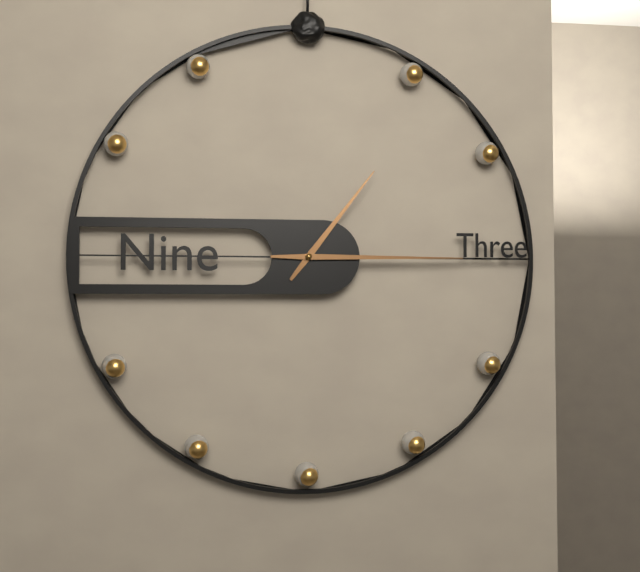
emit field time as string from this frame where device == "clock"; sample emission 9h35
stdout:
1h15
